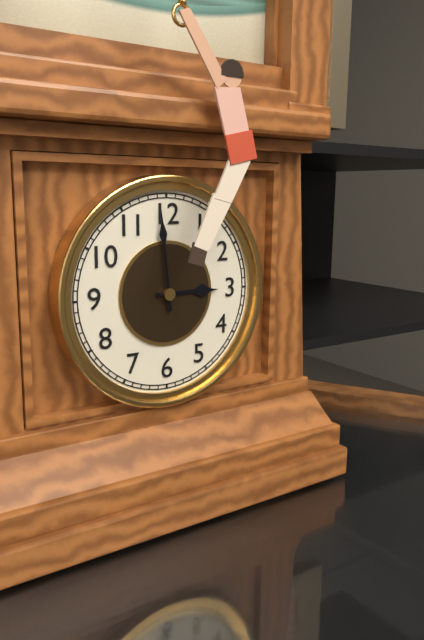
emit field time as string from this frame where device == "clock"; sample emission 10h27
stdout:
2h59
